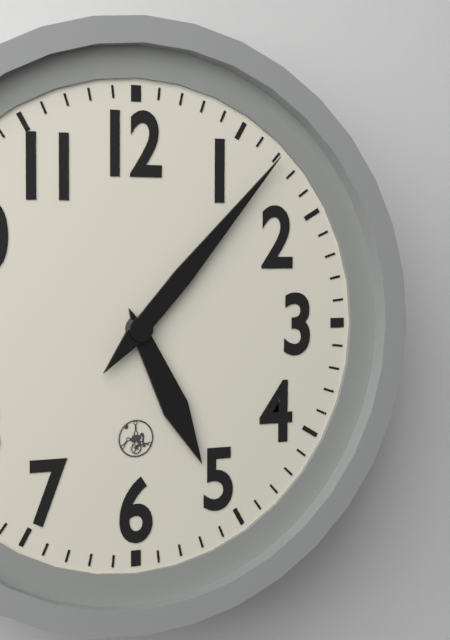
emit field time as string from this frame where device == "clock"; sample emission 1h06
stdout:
5h07
